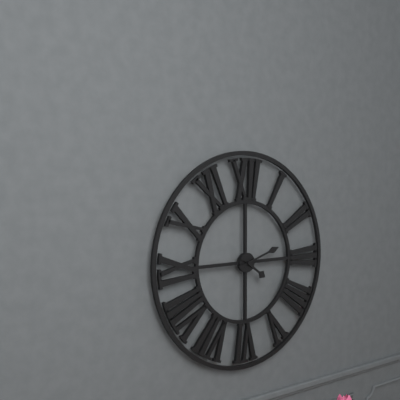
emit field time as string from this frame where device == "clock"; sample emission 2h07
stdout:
4h12
